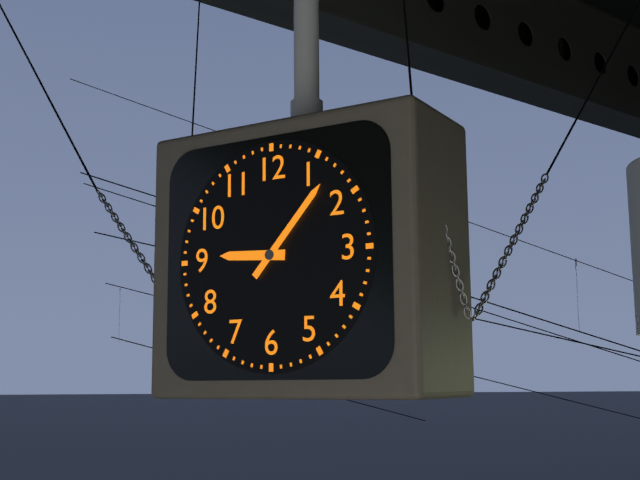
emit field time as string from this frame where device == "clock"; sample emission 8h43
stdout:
9h07
